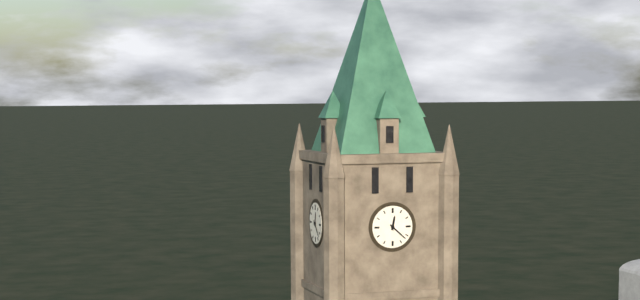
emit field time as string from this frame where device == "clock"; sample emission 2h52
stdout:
12h22
